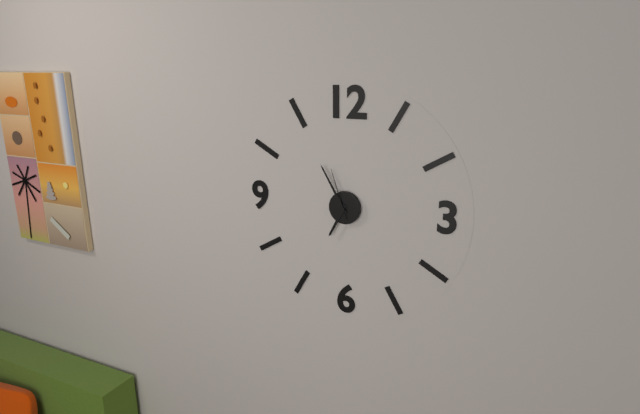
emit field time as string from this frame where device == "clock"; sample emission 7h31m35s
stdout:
6h55m57s
